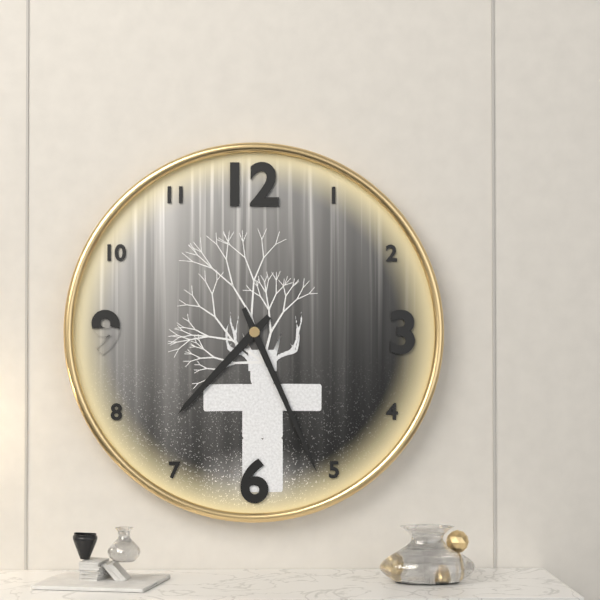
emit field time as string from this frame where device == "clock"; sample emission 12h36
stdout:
7h26
